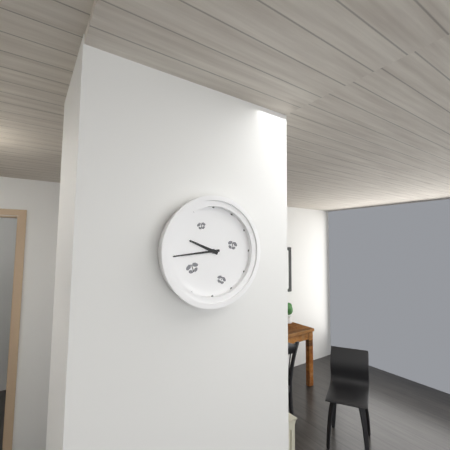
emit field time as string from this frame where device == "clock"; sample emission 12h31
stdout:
9h44
